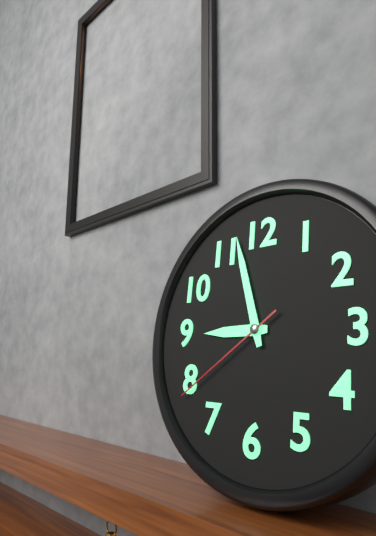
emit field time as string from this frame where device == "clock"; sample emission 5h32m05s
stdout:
8h57m39s
